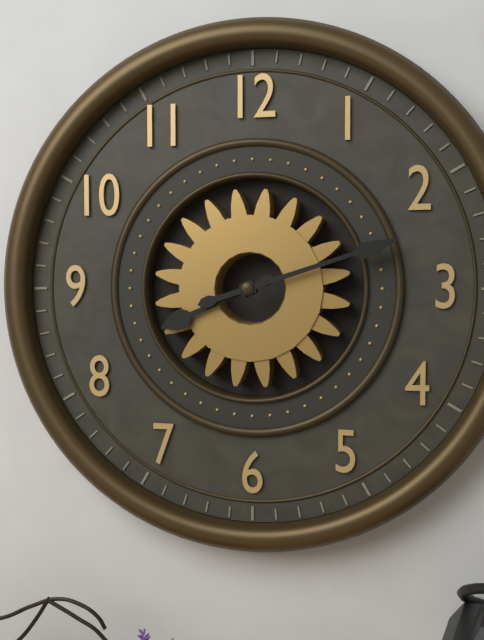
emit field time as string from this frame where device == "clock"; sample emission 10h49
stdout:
8h12
